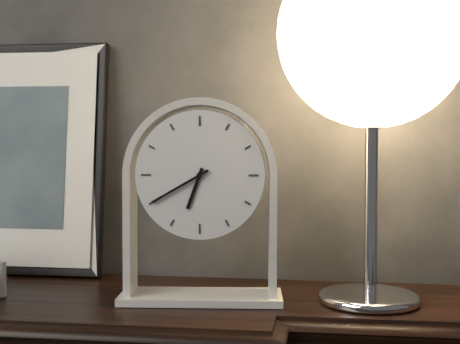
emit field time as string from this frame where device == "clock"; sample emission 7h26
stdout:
6h40
